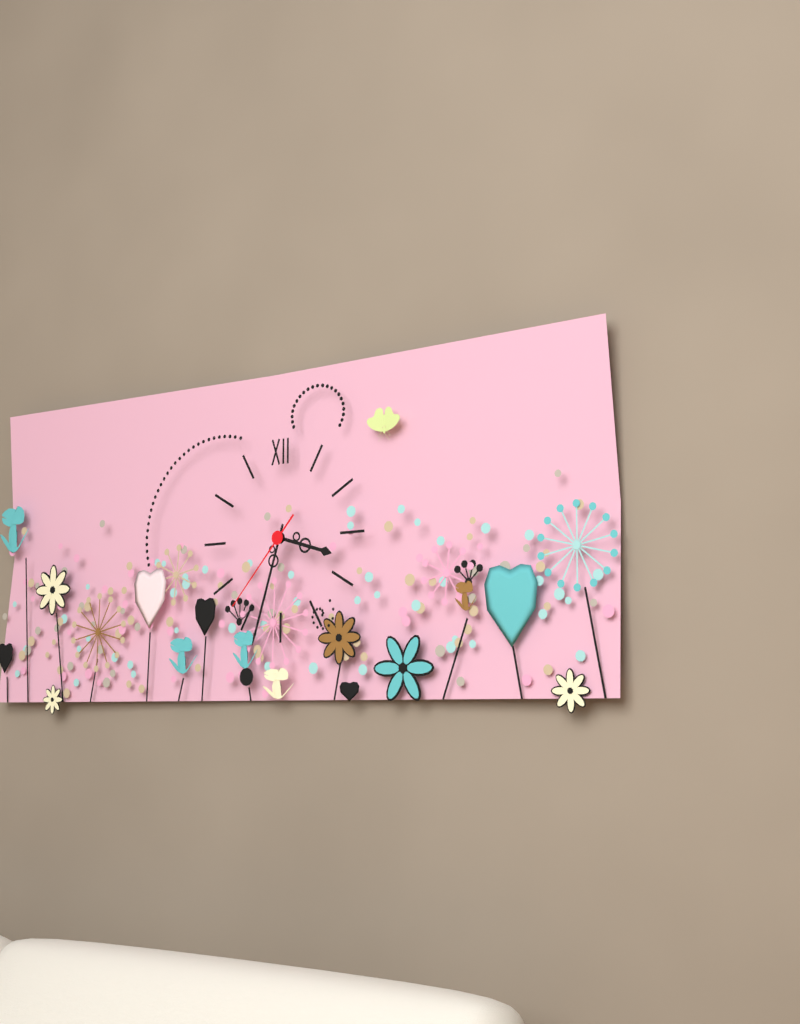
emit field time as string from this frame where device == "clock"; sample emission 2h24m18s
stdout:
3h33m37s
